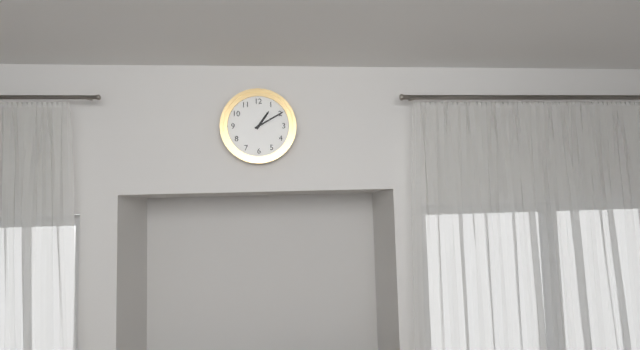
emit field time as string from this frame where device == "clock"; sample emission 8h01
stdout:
1h10
